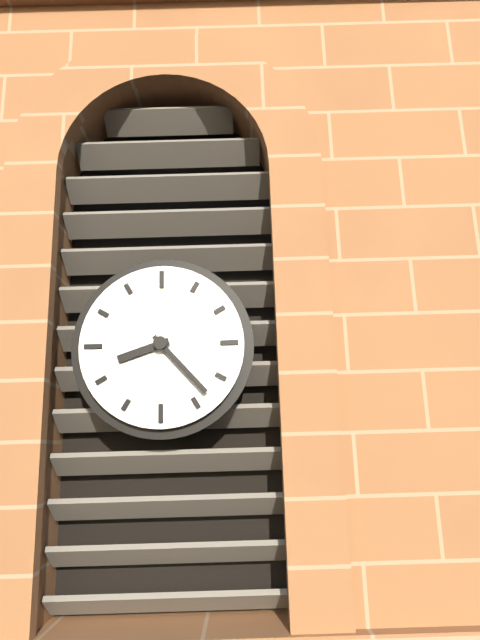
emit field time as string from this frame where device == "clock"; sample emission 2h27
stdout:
8h23
